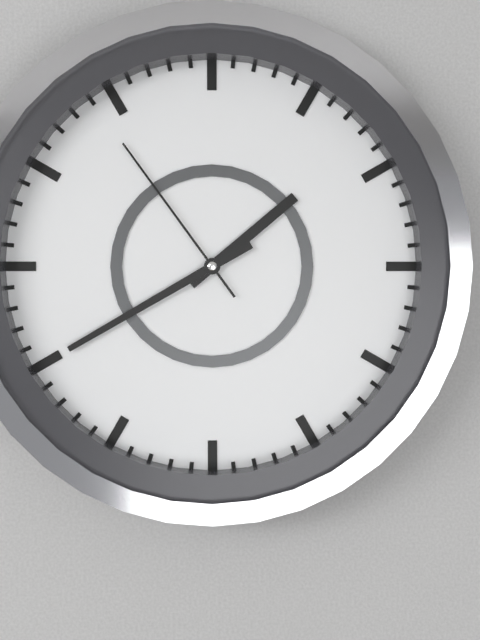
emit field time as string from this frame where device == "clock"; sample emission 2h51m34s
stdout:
1h40m54s
